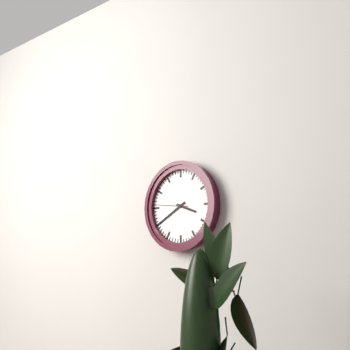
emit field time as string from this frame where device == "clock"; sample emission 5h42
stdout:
3h40
